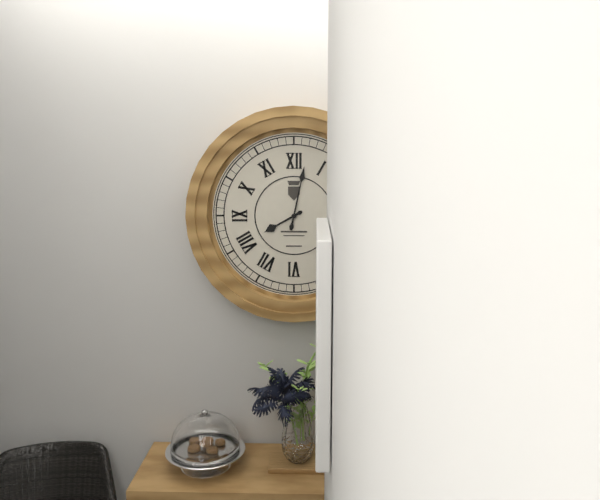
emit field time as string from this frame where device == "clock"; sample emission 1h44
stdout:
8h02
